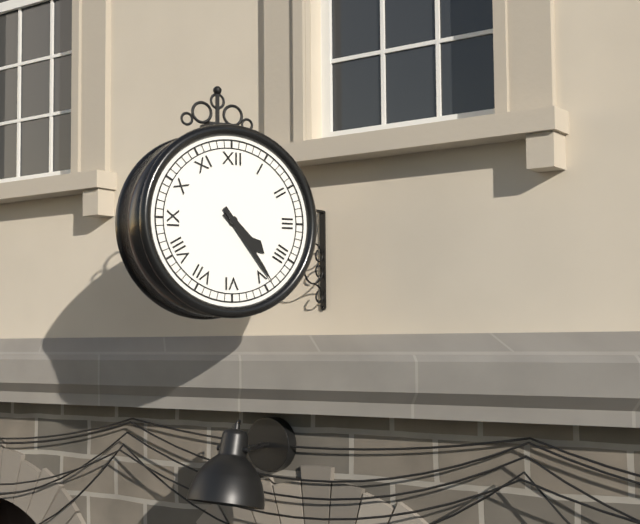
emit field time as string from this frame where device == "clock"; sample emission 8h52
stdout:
4h24
